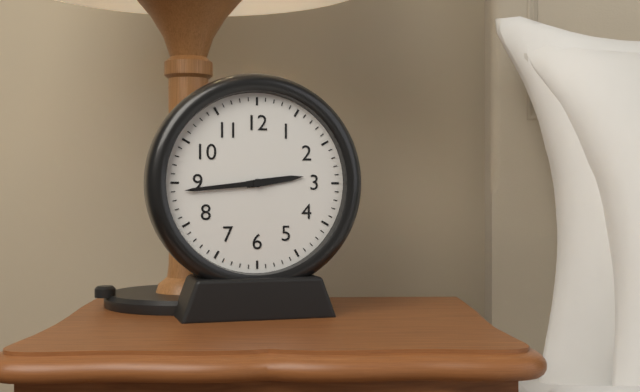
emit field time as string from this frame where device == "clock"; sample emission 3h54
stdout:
2h44
